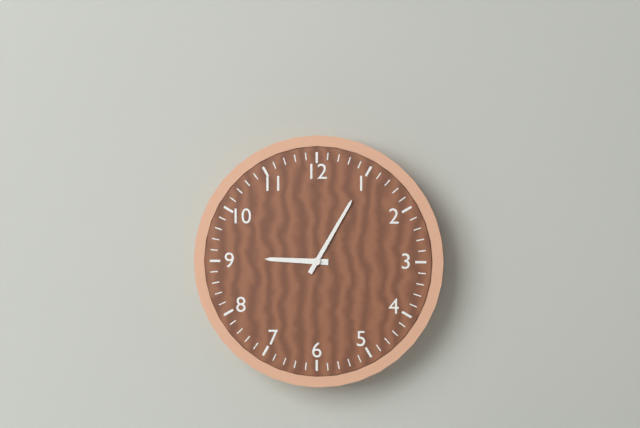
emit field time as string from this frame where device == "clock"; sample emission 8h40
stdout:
9h05
